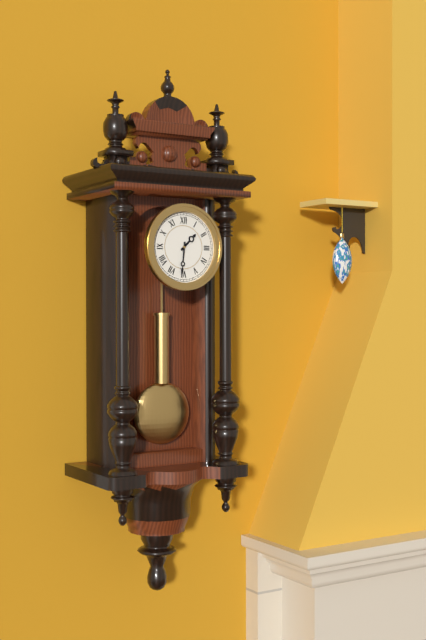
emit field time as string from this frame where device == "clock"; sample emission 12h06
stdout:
1h31
